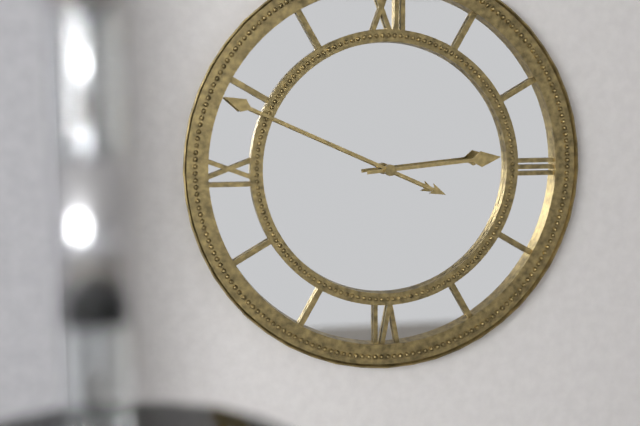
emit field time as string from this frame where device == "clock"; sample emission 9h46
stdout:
2h49
